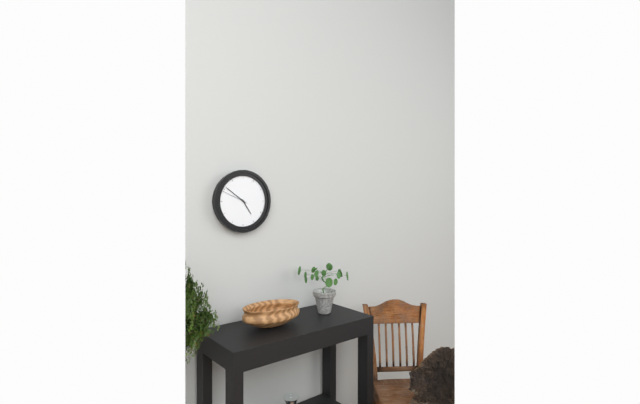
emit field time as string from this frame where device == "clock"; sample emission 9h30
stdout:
4h51
